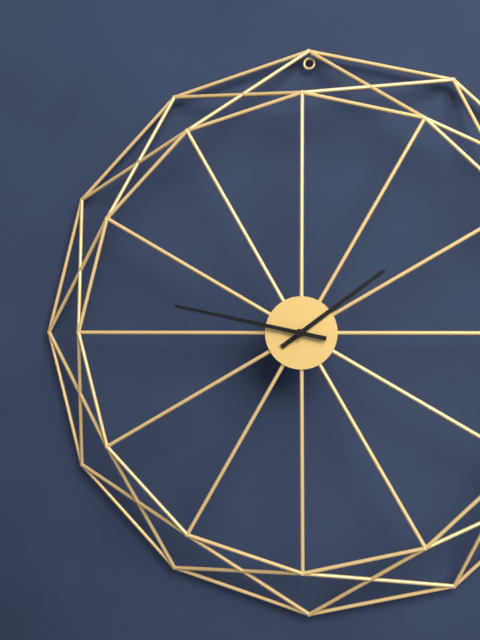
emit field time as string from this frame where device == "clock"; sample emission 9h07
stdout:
1h47
